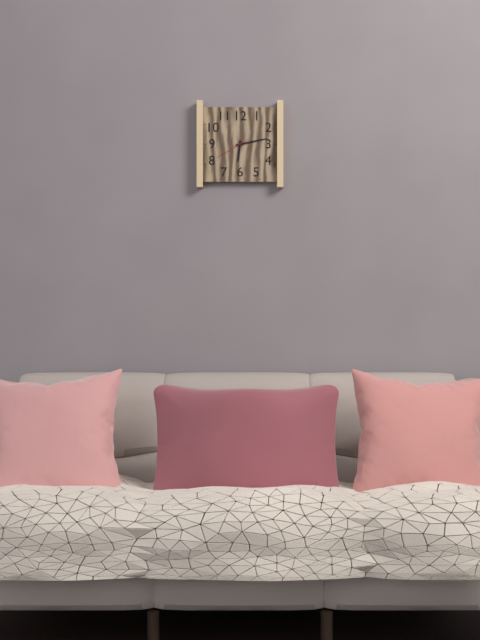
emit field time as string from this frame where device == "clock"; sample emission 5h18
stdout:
6h13
